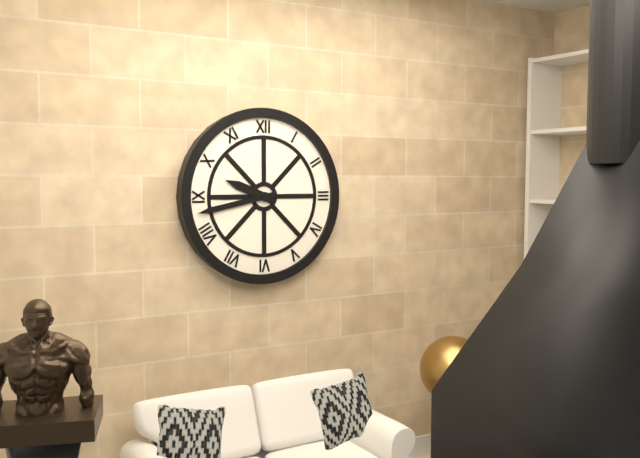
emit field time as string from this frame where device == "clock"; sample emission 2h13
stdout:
9h43
